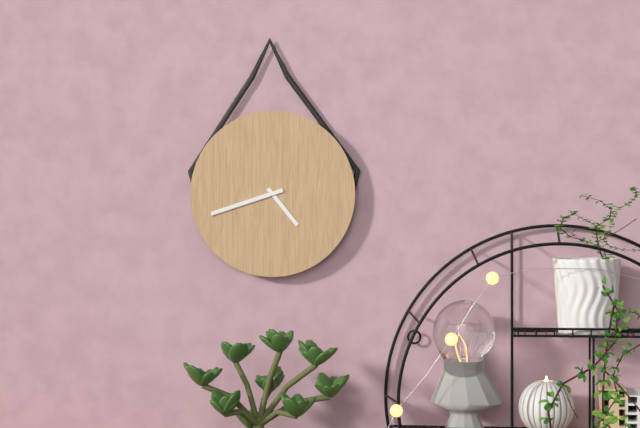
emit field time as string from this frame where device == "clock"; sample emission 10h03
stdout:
4h42
